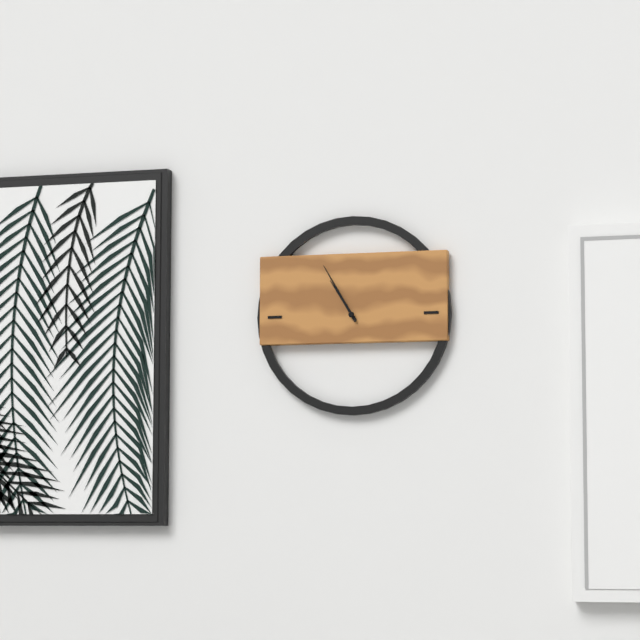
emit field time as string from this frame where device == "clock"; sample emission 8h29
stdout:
10h55
